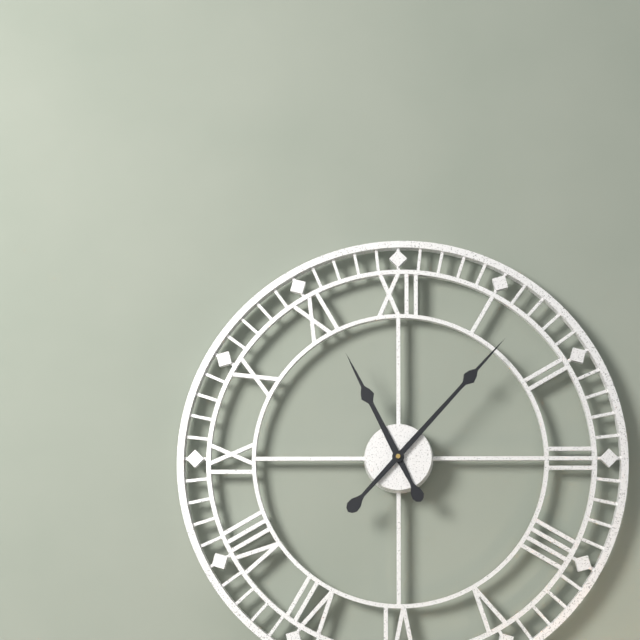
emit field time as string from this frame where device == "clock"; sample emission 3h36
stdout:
11h07
